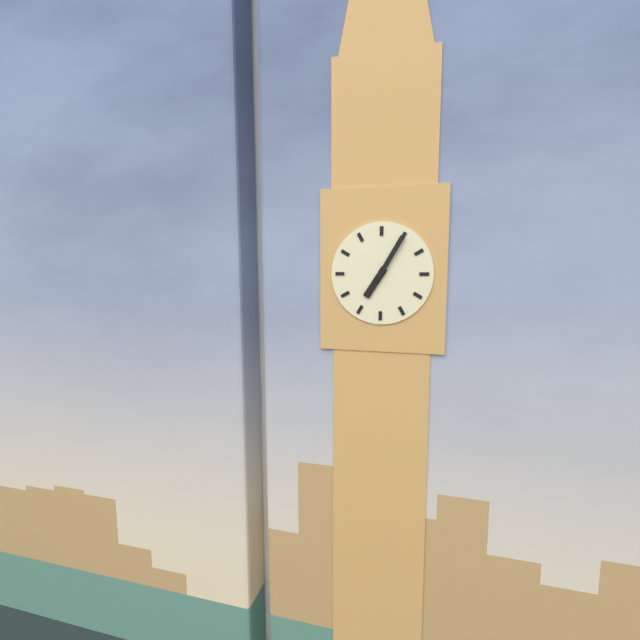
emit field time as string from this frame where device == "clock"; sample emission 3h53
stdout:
7h05
